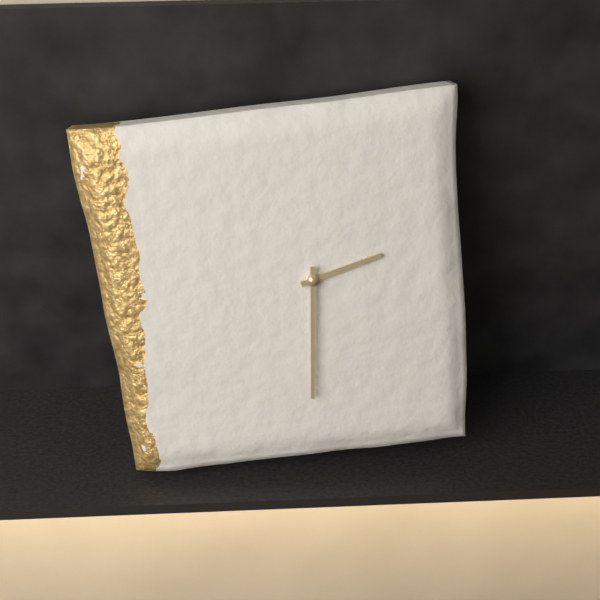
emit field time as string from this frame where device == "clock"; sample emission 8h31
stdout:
2h31
